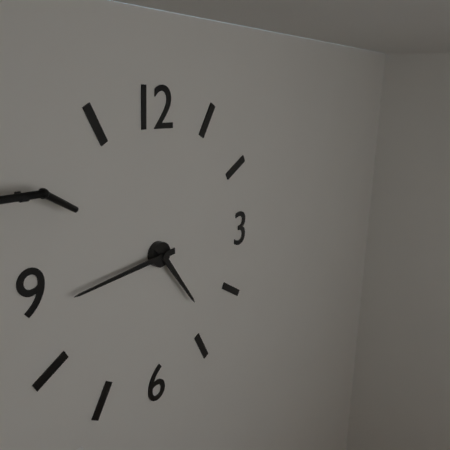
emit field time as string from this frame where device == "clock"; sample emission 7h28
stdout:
4h44
